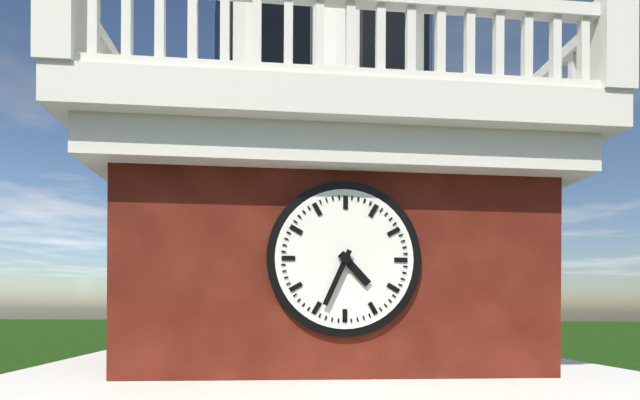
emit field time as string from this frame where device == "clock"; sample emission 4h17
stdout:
4h34
